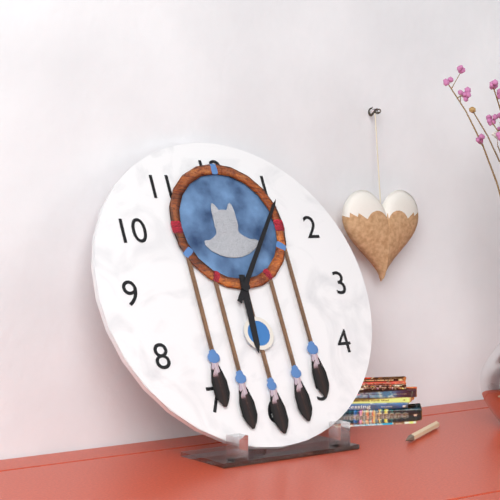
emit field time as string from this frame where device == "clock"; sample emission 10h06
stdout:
6h06
